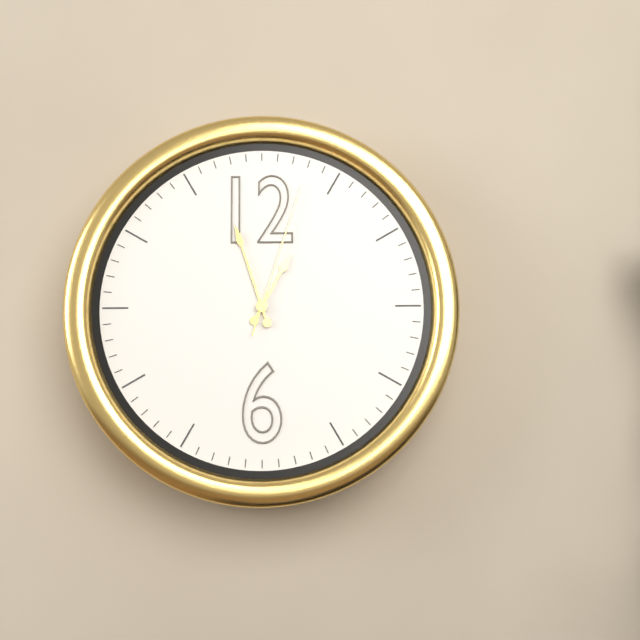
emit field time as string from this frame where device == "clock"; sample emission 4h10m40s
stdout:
12h57m03s
